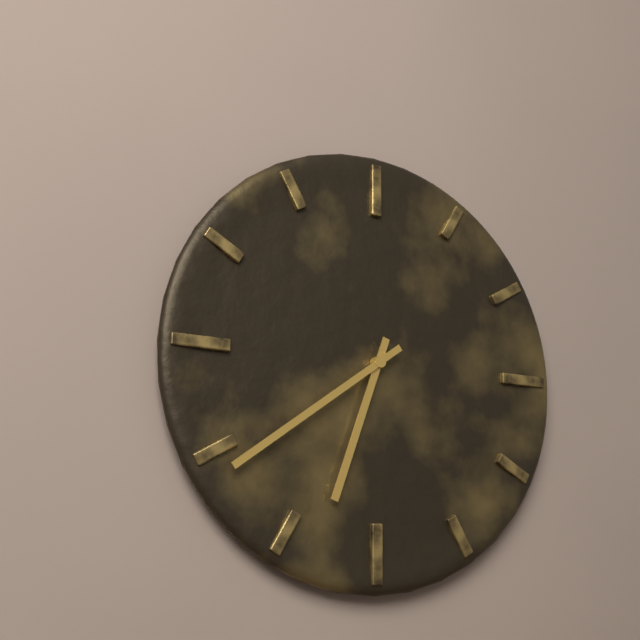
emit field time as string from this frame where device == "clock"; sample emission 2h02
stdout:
6h39
